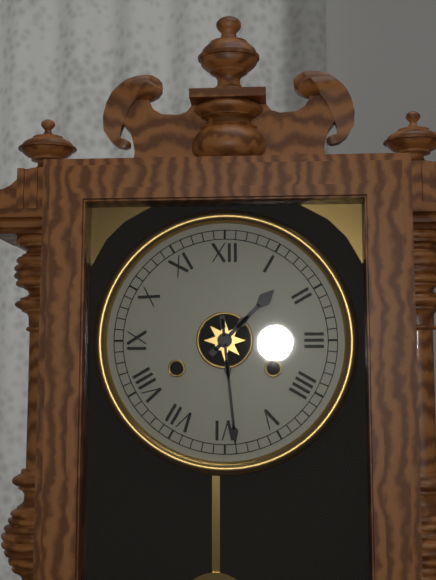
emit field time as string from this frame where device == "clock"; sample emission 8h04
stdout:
1h29
